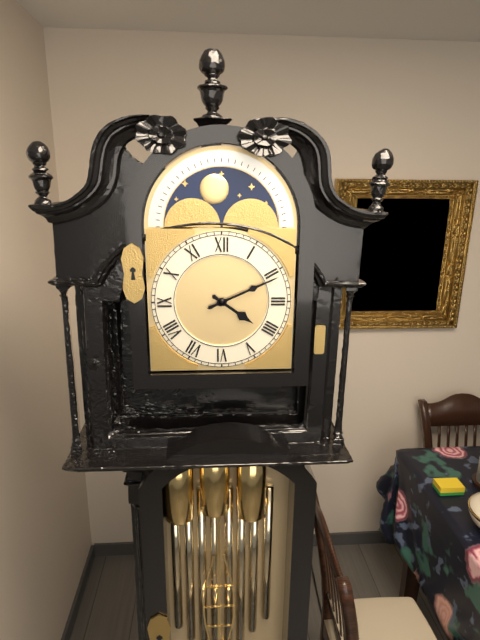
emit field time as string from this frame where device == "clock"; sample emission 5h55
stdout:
4h11
